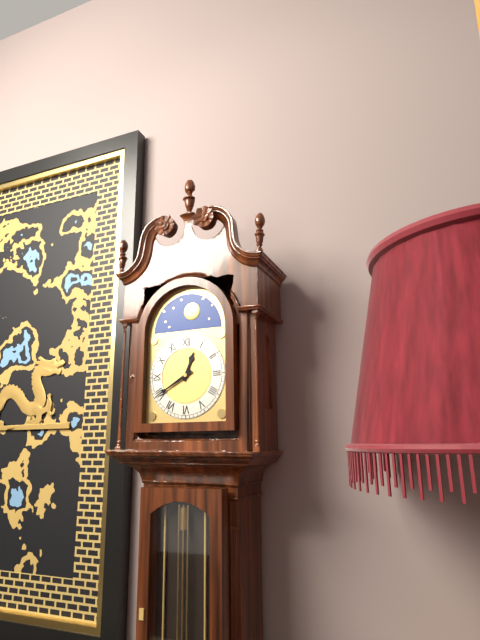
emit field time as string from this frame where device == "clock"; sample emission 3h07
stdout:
12h40
